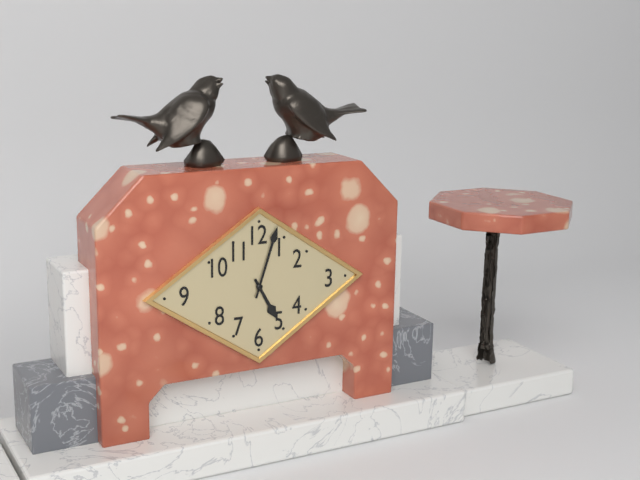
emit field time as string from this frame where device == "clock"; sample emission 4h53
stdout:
5h03
